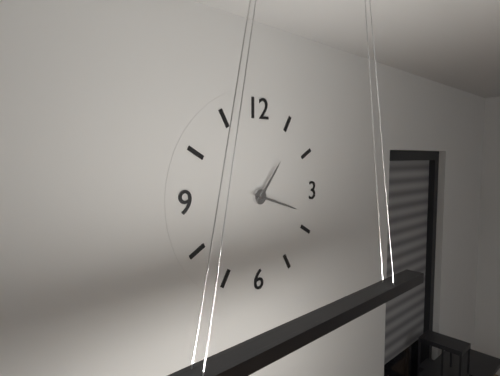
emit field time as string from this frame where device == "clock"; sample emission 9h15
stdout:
1h18
